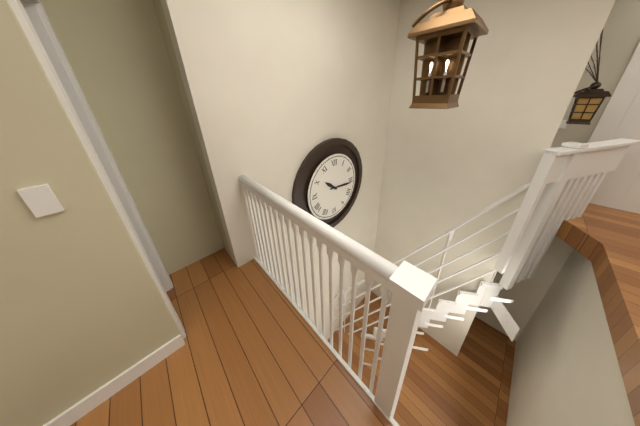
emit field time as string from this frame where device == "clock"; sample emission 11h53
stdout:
10h16
